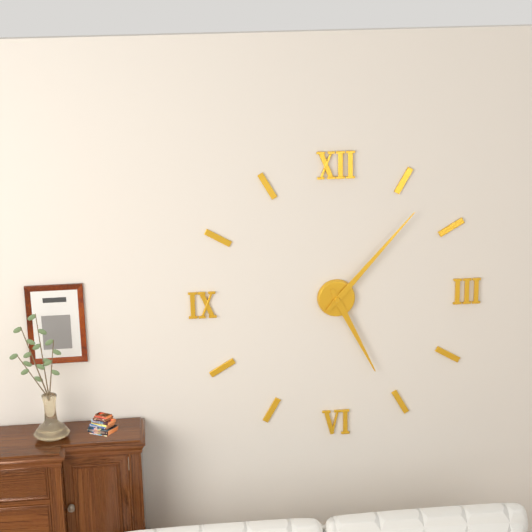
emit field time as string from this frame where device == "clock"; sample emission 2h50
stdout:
5h07
